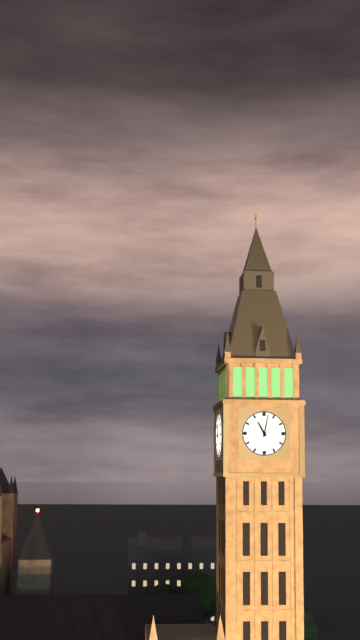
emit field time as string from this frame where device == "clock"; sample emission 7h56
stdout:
11h02
